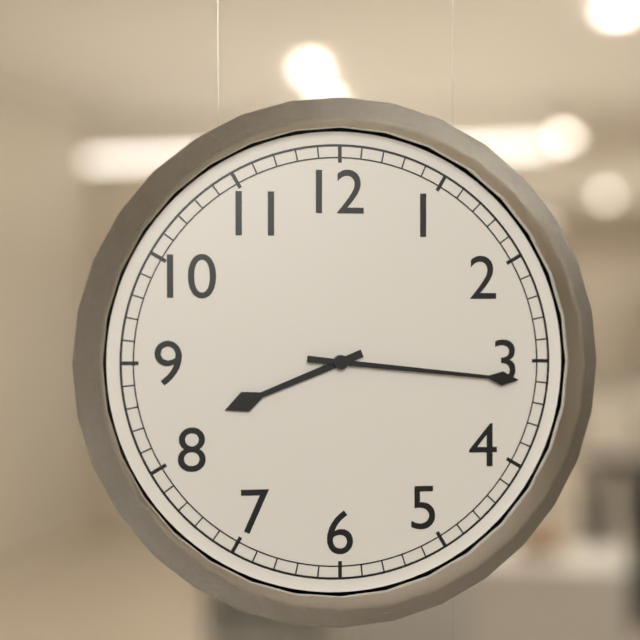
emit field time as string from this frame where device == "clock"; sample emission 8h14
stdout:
8h16
